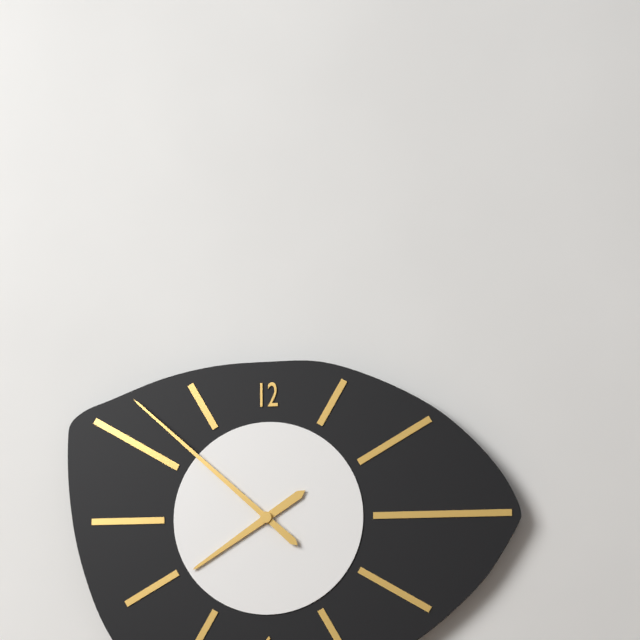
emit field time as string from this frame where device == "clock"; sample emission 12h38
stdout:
7h52
